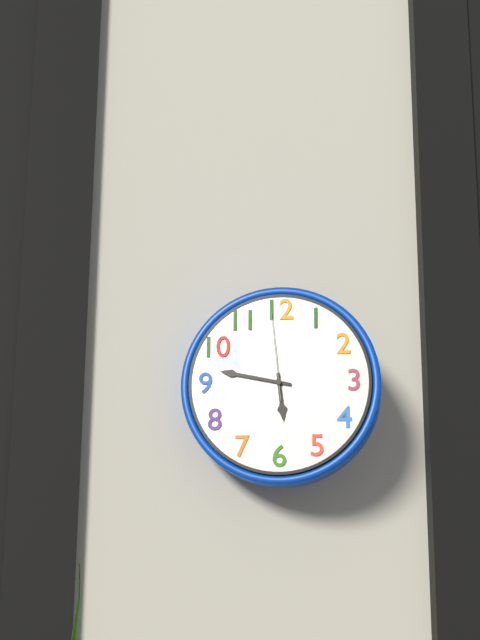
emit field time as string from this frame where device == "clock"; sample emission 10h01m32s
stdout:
5h47m59s
